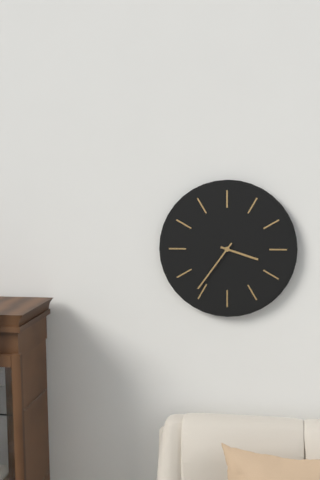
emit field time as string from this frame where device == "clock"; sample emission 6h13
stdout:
3h36
